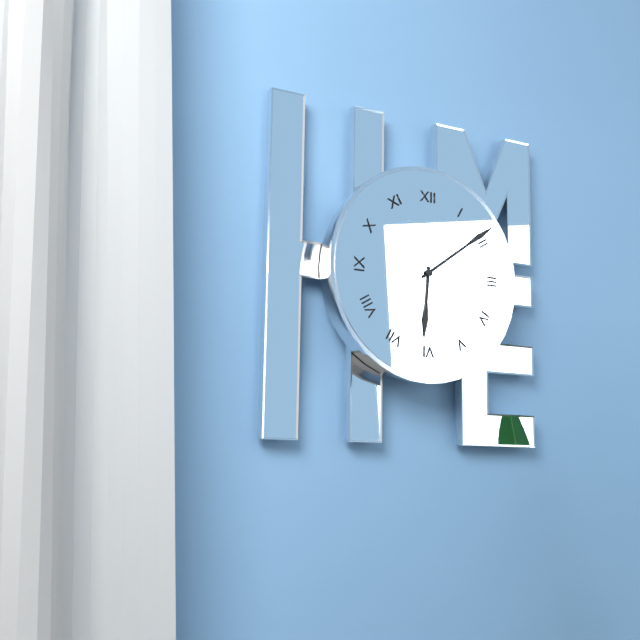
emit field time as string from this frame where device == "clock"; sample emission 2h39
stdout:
6h09
